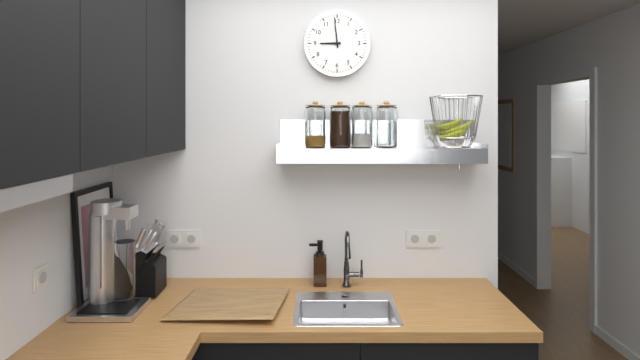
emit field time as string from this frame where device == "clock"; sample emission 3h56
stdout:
8h59
